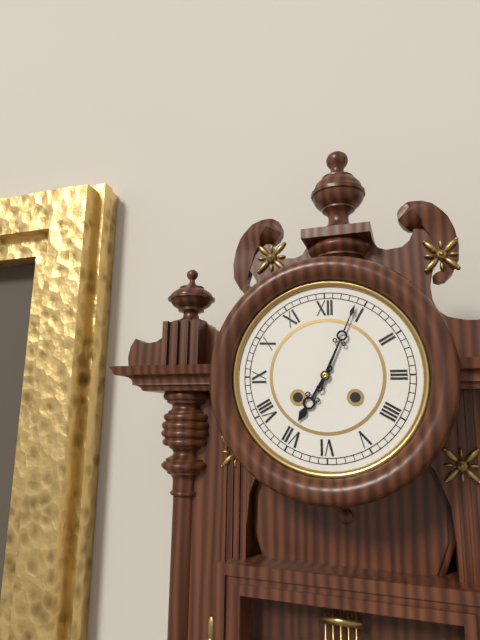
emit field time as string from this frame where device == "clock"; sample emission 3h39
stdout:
7h04
